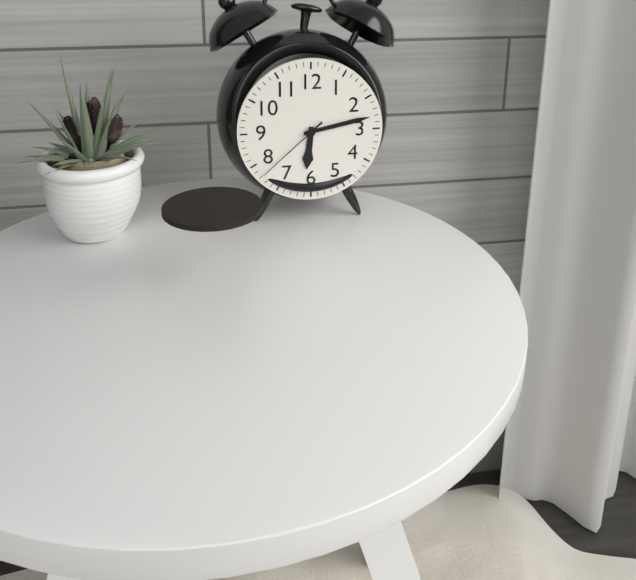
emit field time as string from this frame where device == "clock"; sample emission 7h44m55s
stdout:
6h13m38s
